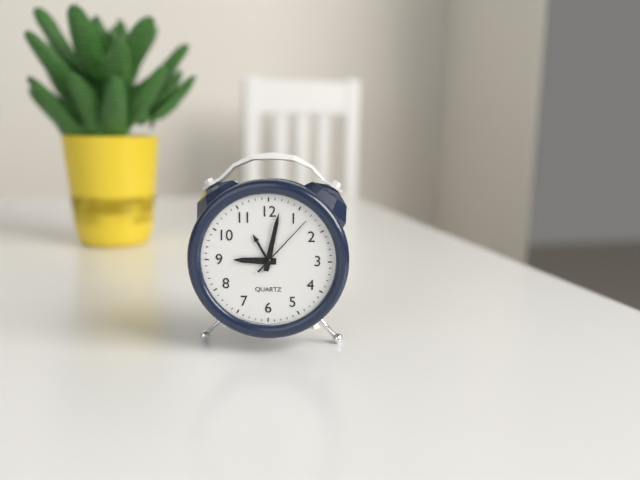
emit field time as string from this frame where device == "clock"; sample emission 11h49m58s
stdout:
9h02m07s
